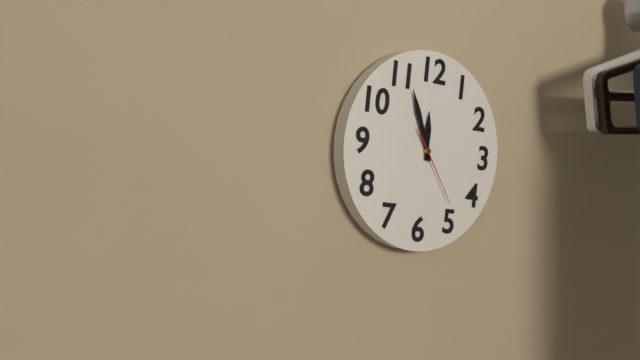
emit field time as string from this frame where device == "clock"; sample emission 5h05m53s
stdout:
11h56m24s
